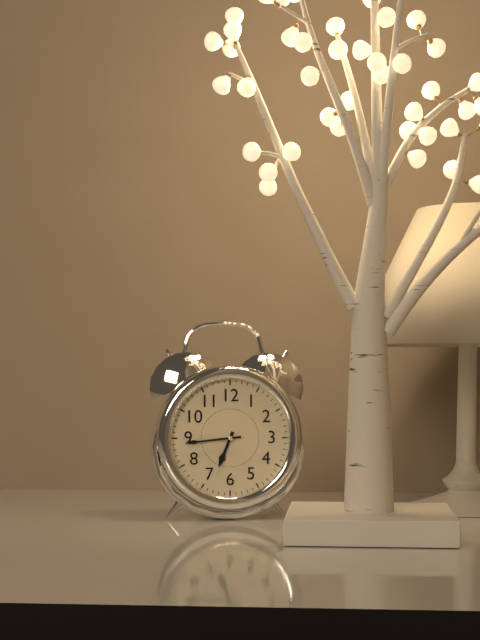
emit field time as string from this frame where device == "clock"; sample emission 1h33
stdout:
6h44
